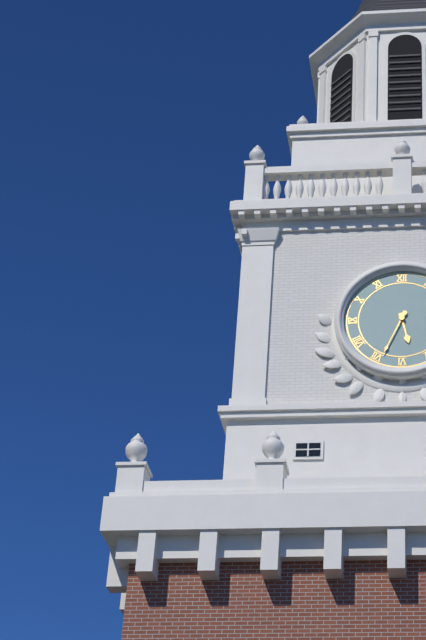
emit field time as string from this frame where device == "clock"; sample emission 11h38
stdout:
5h34
